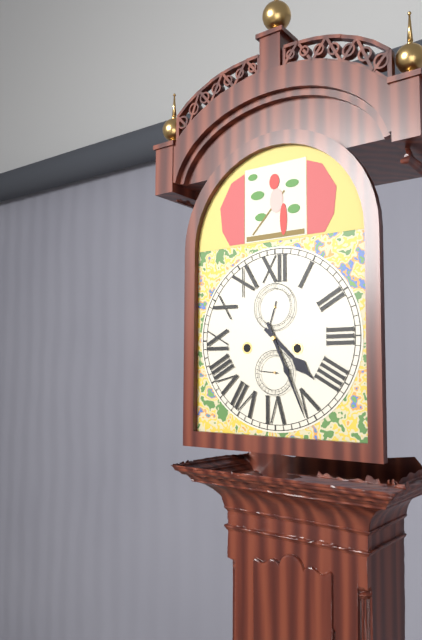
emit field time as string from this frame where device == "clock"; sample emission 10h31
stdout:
4h26
